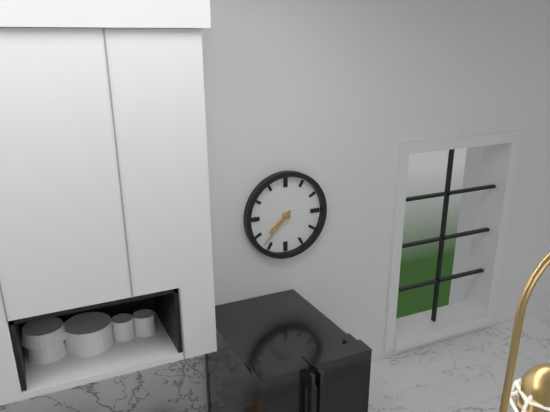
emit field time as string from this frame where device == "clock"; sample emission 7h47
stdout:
7h37
